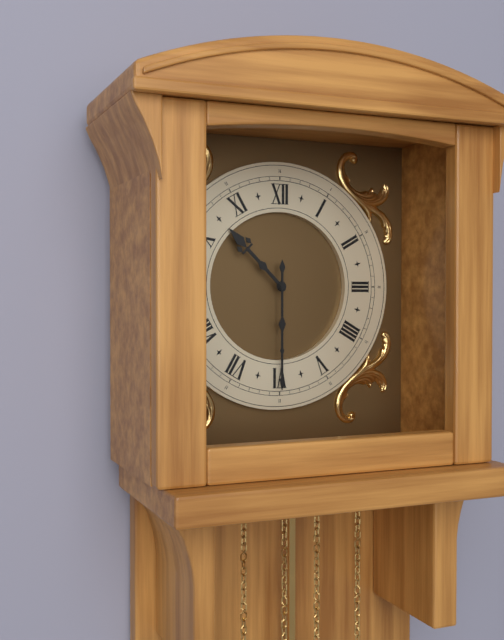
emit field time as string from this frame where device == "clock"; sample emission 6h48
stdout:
10h30
